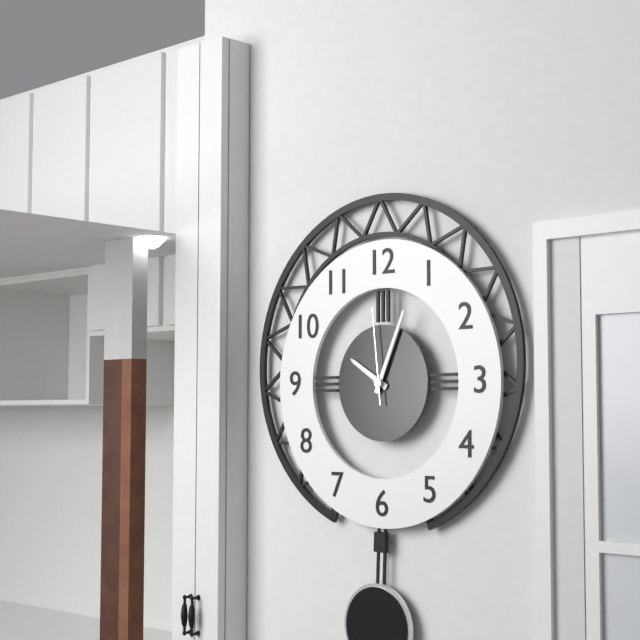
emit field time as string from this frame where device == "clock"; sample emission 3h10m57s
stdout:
10h04m59s
